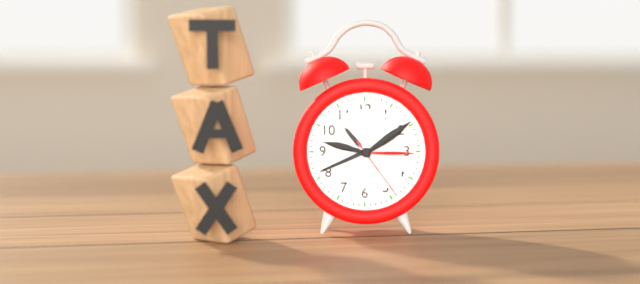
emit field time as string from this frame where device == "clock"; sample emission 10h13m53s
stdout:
10h41m24s
